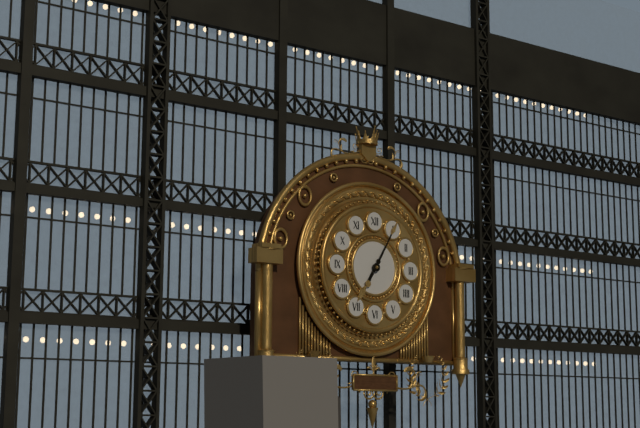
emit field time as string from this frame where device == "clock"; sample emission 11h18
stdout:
7h05
